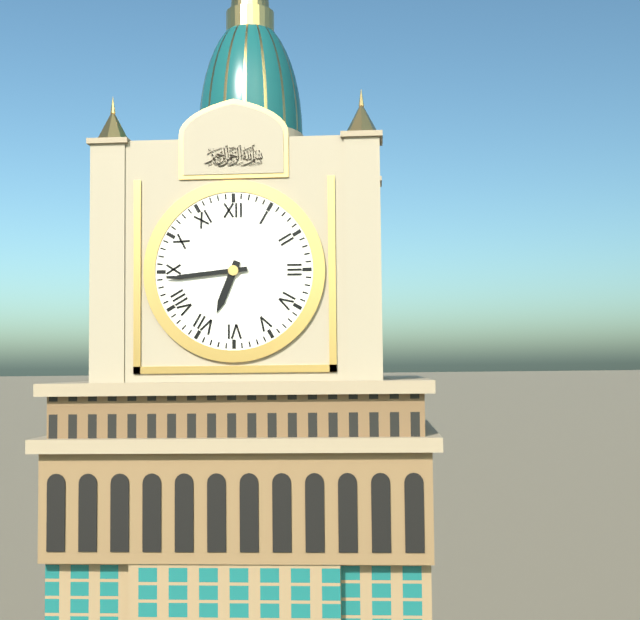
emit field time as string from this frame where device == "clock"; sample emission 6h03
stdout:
6h44
